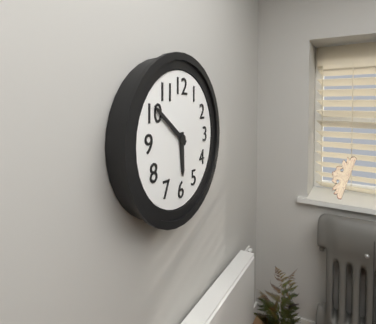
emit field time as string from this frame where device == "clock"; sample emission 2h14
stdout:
5h51
